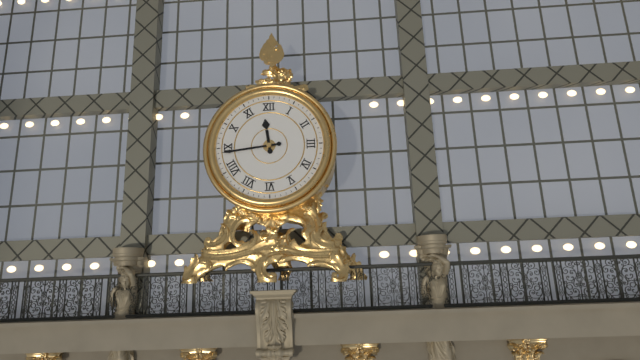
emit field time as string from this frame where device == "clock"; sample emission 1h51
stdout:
11h44
